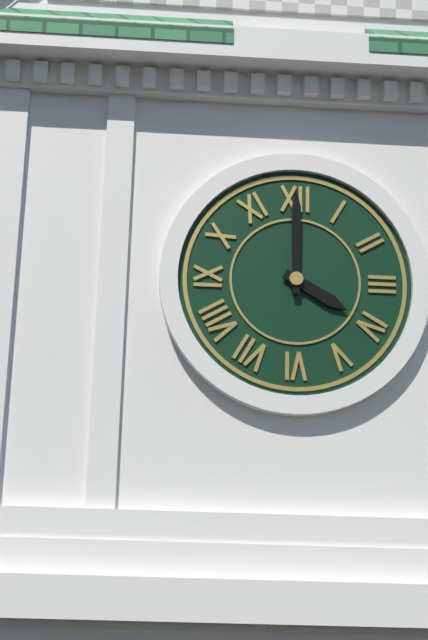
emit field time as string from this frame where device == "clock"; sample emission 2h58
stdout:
4h00
